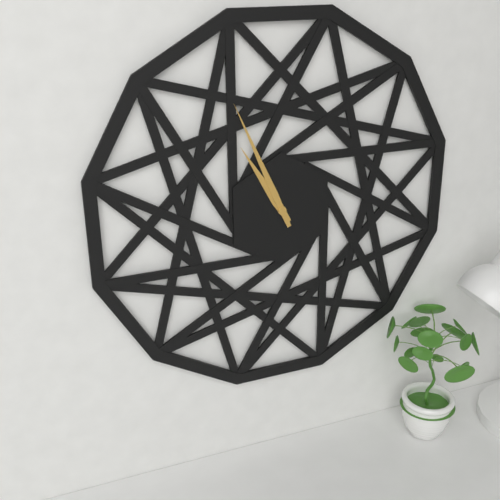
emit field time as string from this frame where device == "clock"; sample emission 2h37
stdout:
10h56
